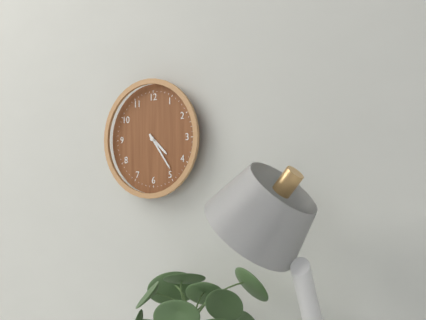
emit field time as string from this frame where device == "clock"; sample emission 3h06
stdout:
4h24
